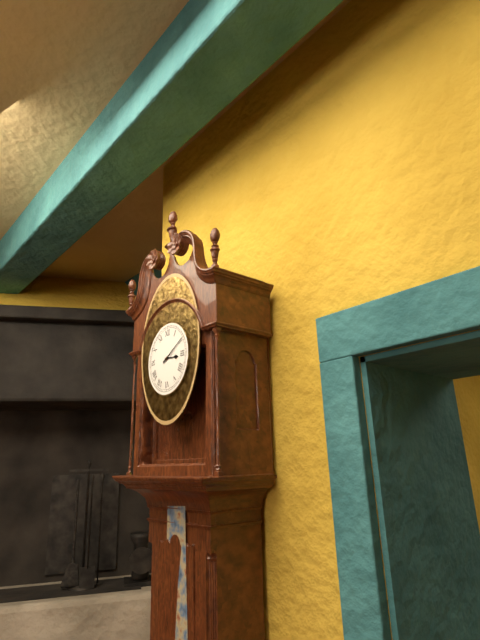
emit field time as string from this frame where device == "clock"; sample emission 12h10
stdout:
3h10
